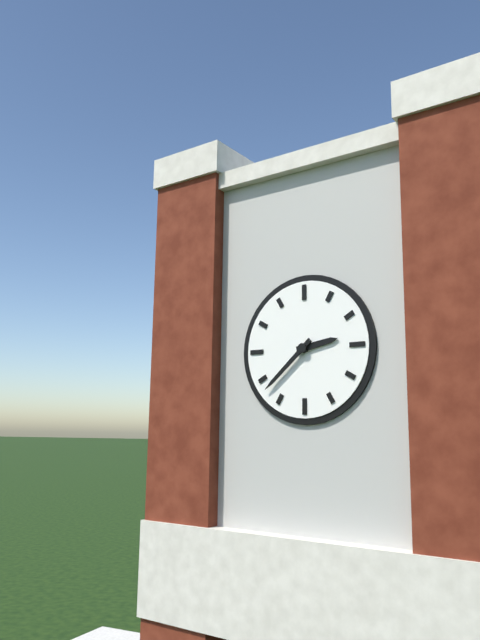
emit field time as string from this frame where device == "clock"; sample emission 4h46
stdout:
2h38
